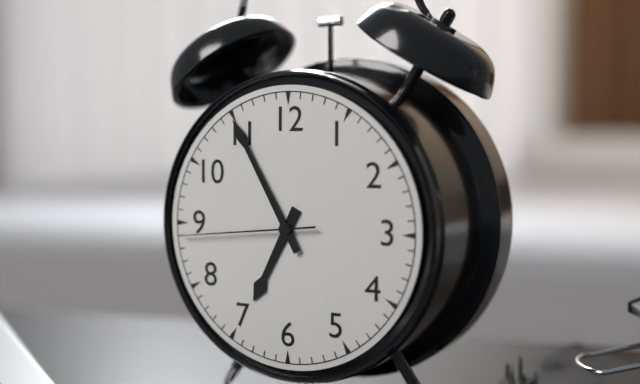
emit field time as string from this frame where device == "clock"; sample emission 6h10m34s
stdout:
6h55m44s
